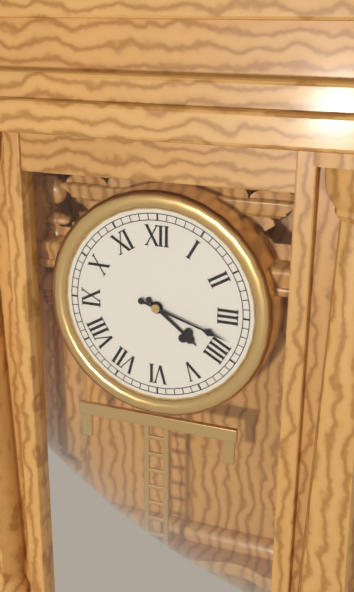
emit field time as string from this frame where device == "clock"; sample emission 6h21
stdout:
4h18
